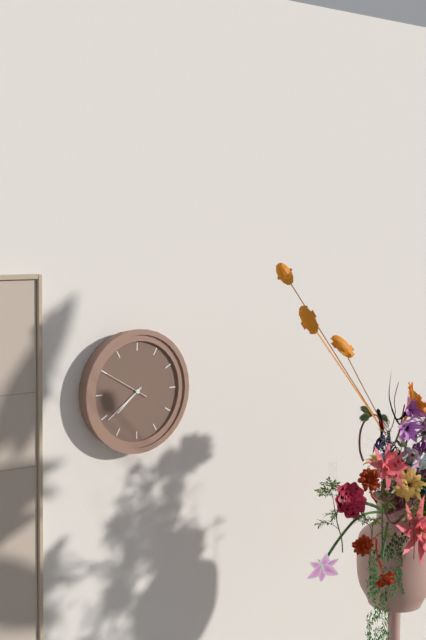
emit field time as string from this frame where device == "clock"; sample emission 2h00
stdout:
7h39
